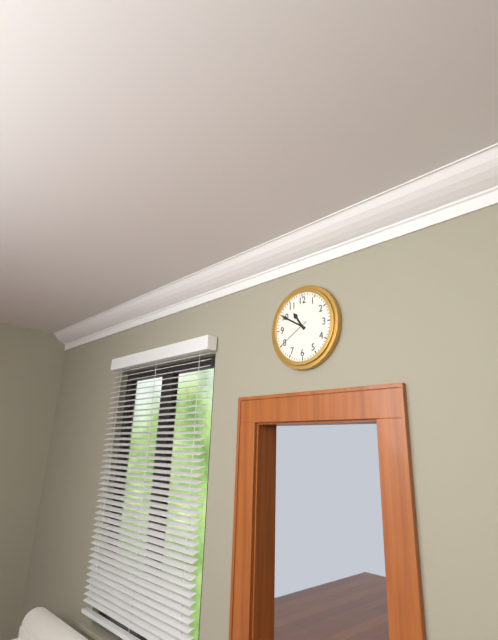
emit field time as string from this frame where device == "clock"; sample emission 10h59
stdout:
10h50
